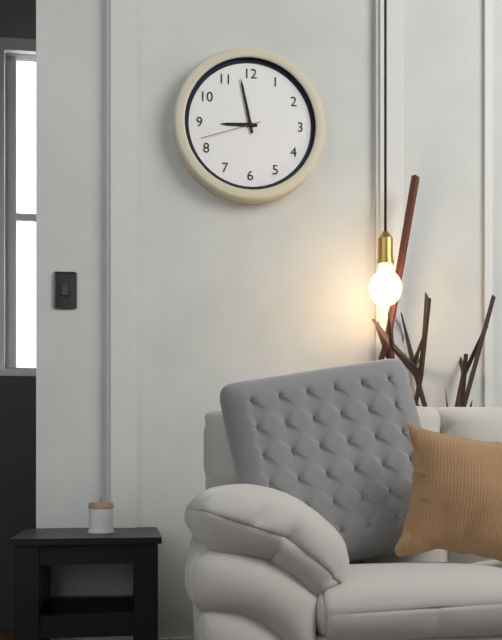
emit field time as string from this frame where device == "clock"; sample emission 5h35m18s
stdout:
8h58m42s
